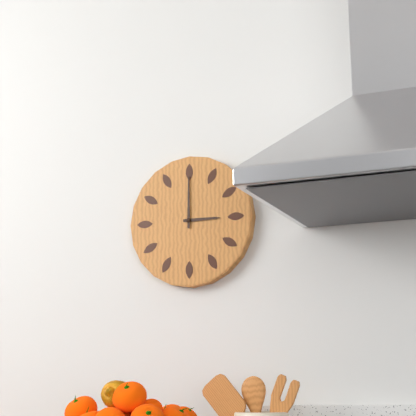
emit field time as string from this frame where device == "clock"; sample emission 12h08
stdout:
3h00
